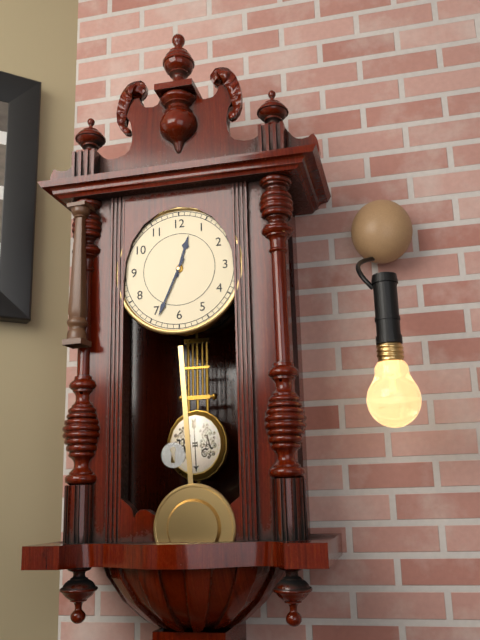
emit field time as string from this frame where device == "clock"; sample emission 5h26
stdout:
12h34
